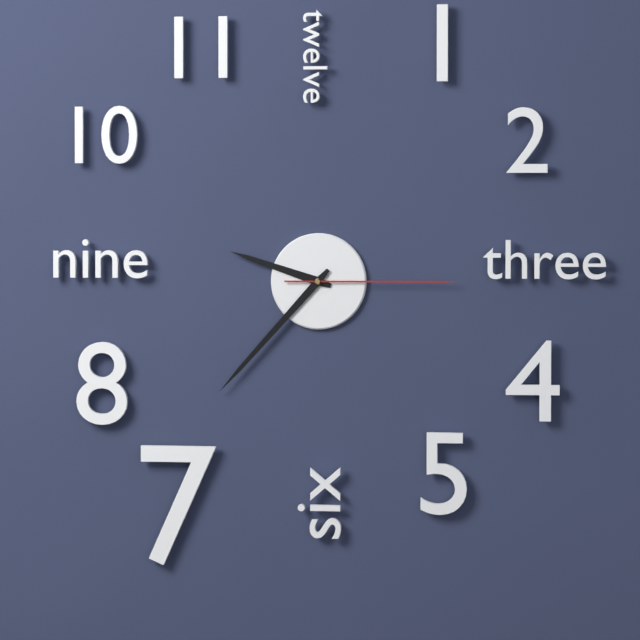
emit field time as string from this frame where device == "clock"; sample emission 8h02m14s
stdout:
9h37m15s
